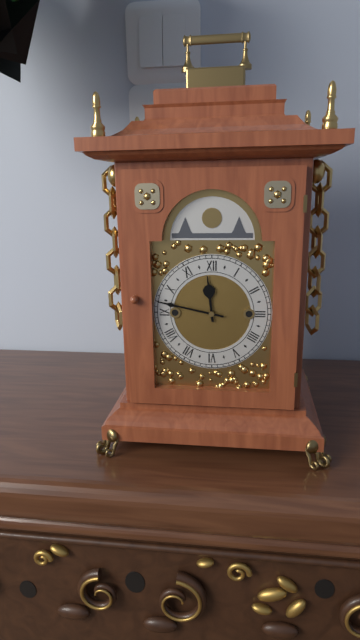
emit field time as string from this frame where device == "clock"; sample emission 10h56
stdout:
11h47
